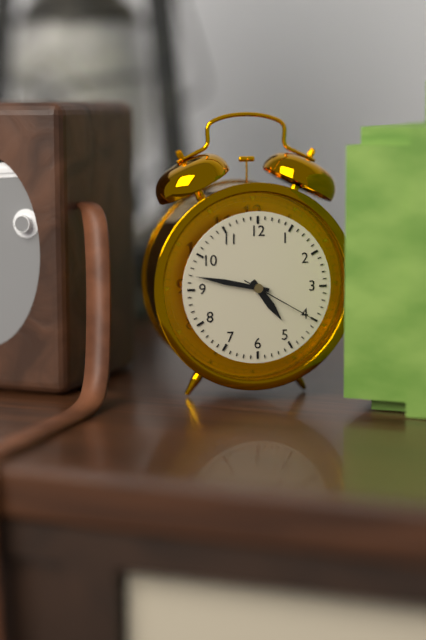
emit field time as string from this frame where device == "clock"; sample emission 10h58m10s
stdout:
4h47m20s
